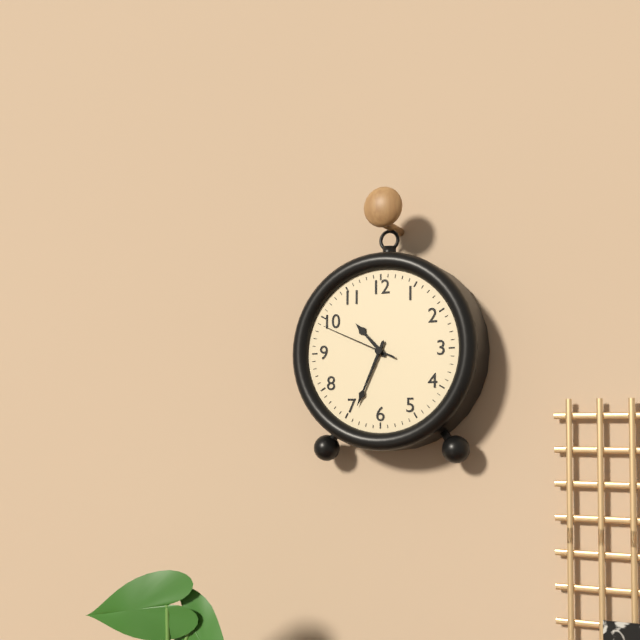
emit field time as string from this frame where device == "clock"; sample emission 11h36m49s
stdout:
10h34m49s
